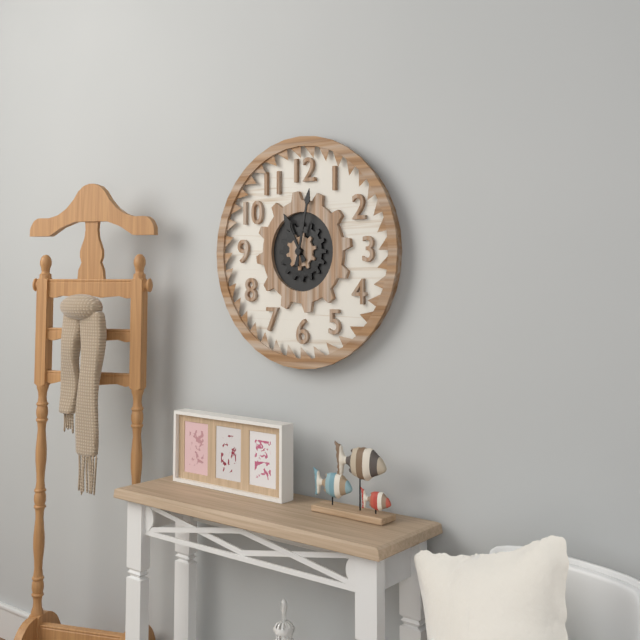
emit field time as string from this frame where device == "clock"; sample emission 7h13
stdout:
11h02
